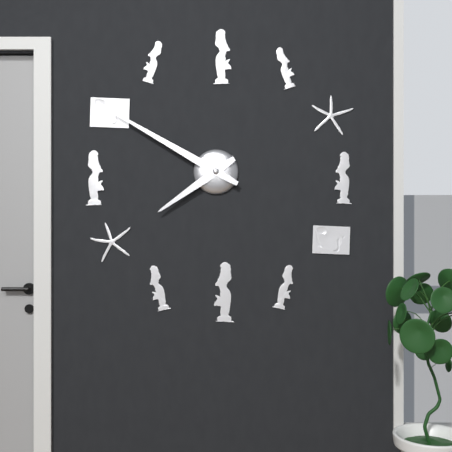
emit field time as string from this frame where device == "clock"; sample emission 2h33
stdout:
7h50
